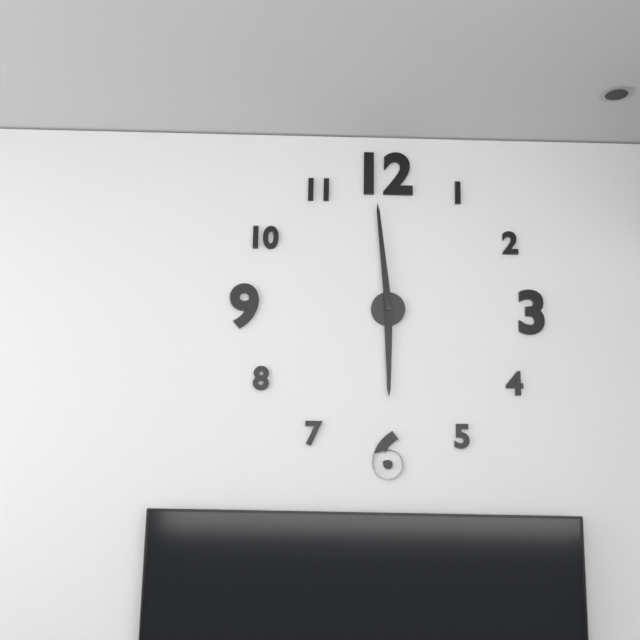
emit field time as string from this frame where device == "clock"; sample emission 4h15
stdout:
5h59
